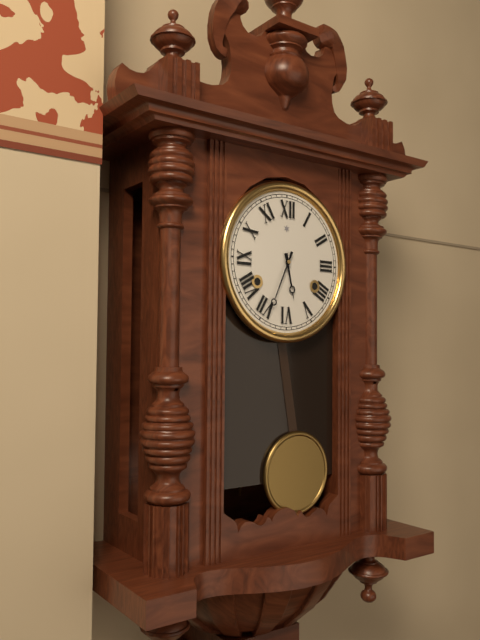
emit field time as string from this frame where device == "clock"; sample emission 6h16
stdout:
5h34
